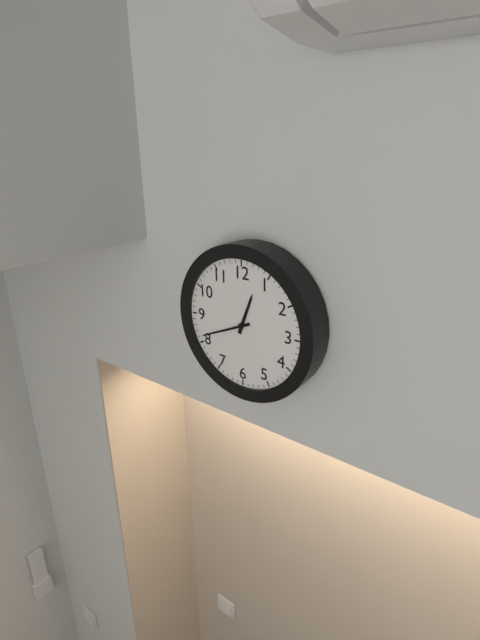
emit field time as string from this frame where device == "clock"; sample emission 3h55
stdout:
12h41
